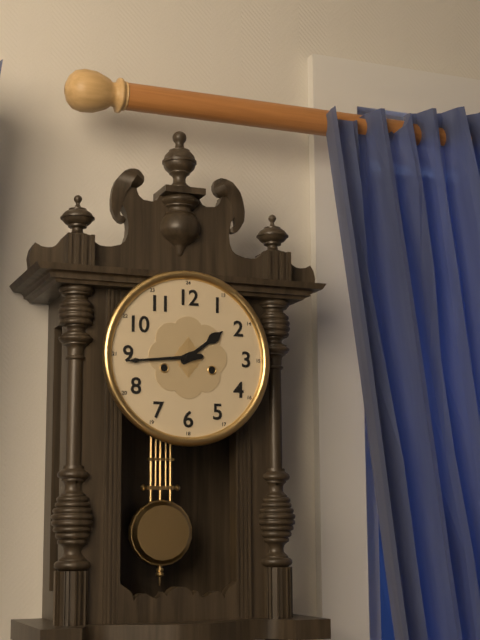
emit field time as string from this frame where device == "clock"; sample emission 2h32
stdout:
1h44
